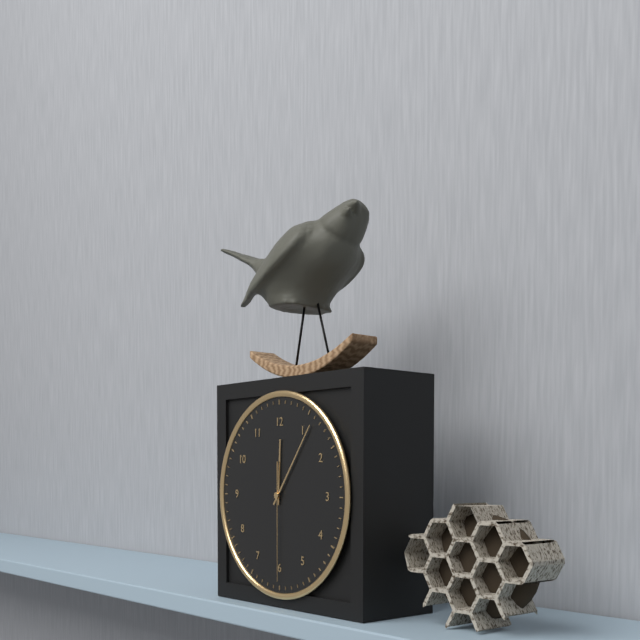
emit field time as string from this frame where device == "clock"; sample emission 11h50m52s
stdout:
12h06m30s
